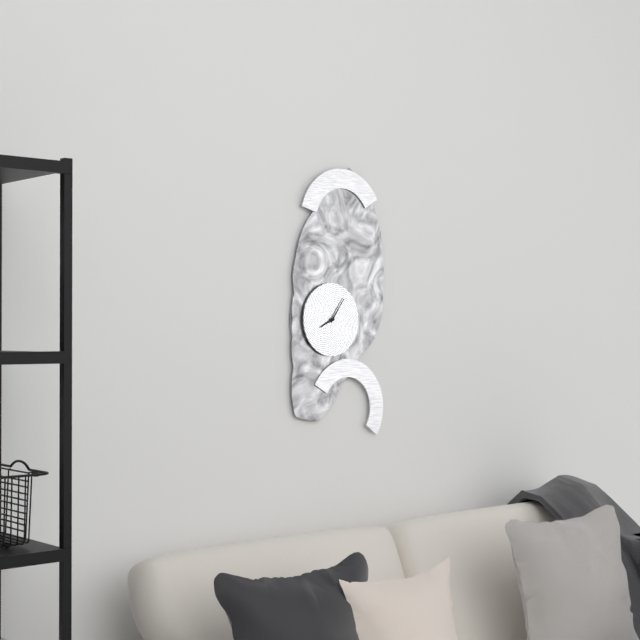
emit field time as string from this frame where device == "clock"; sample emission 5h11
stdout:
8h06
